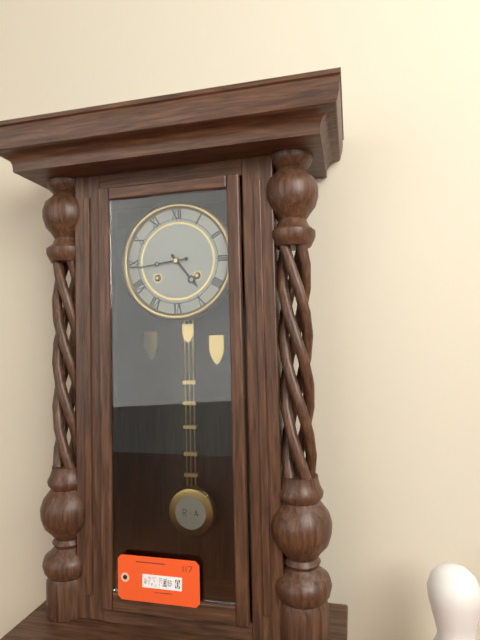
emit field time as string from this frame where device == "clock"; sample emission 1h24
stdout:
4h44
